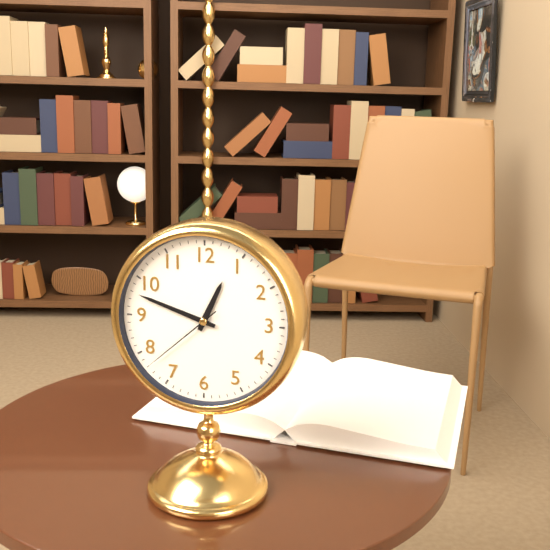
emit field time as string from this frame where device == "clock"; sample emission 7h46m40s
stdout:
12h48m38s
